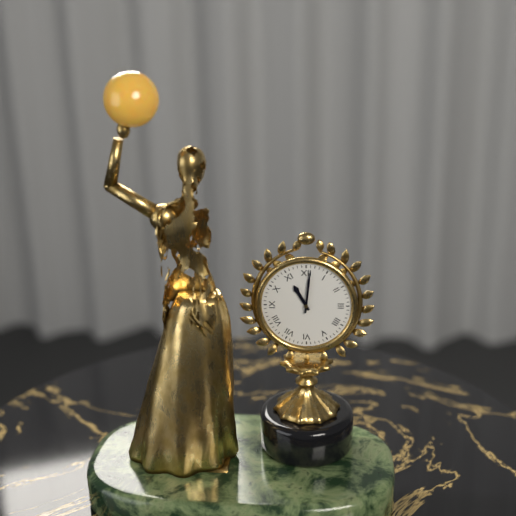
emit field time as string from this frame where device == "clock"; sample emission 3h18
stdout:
11h01
